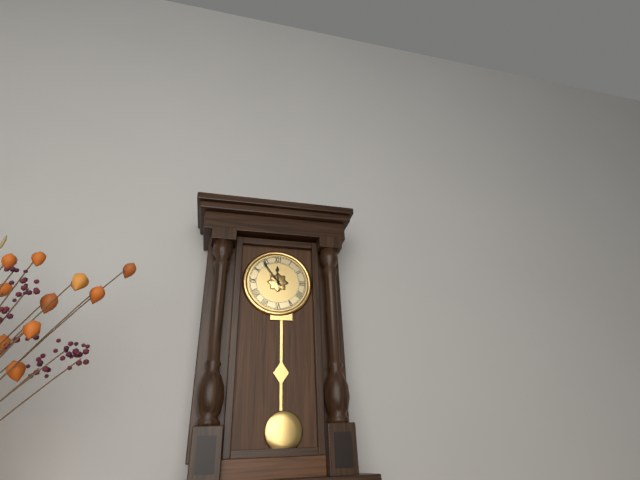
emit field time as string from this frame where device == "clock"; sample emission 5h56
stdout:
11h54
